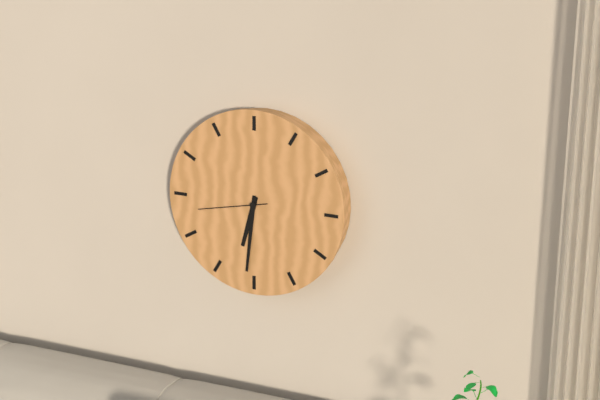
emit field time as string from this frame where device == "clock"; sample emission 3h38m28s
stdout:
6h31m43s
